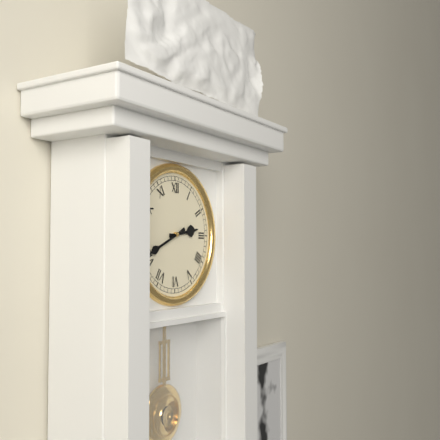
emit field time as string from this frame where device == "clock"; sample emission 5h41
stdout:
2h41
